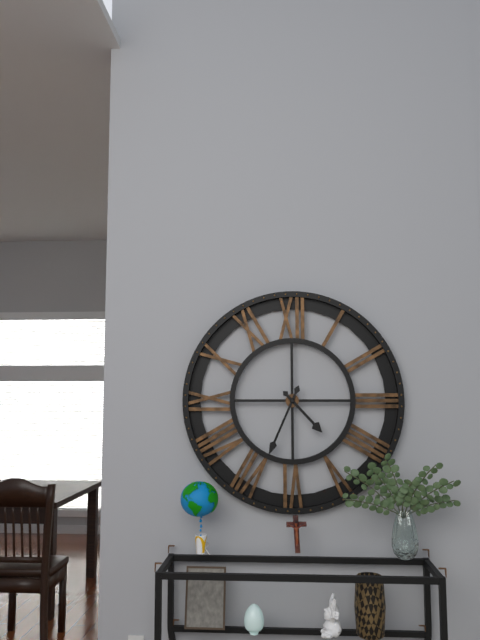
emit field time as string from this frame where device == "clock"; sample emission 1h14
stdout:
4h34
